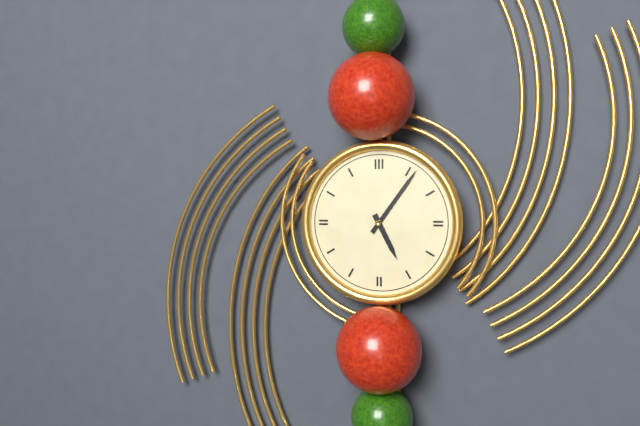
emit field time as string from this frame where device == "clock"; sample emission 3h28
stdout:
5h06
